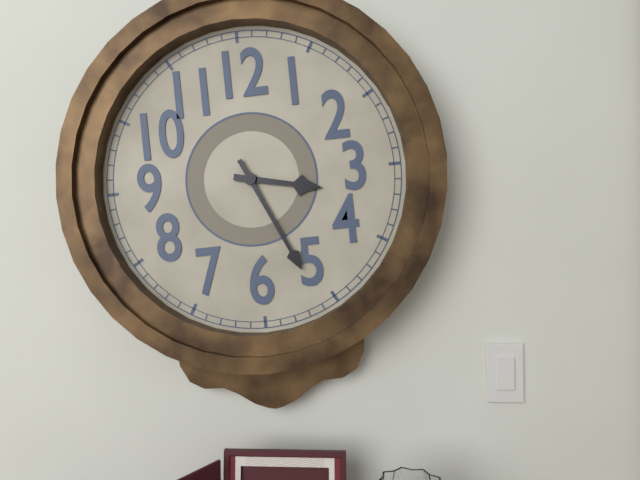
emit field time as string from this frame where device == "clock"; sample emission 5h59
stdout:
3h26
